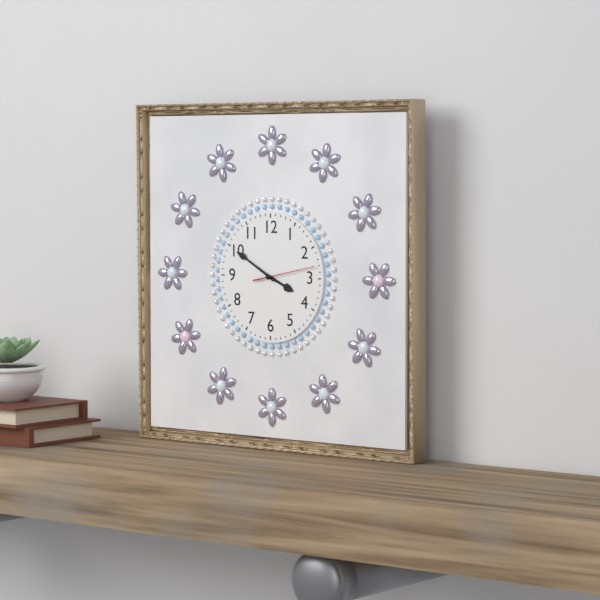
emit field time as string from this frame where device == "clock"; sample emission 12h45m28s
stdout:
3h50m13s
